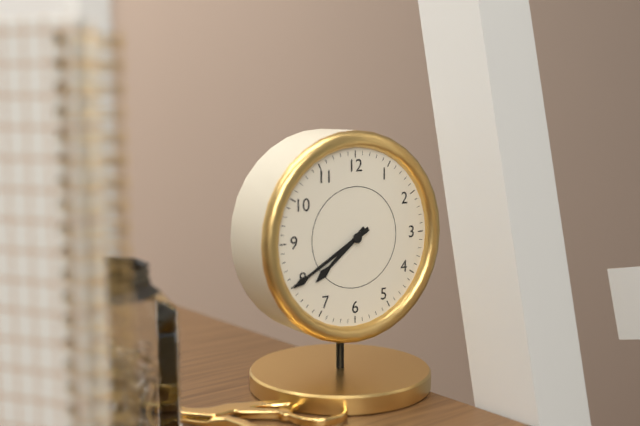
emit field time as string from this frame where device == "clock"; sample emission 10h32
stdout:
7h40
